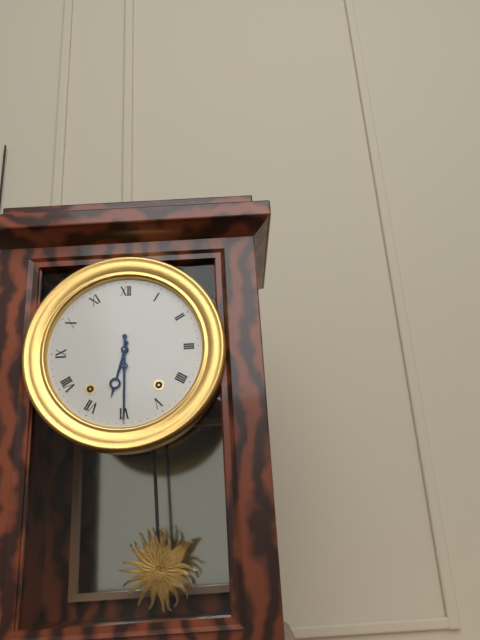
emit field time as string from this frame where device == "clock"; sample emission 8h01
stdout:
6h30
